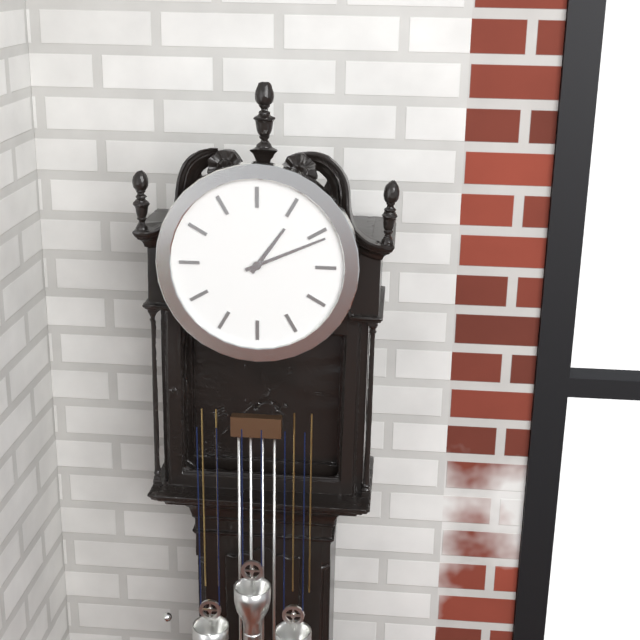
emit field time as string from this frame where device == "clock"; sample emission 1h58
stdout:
1h11
